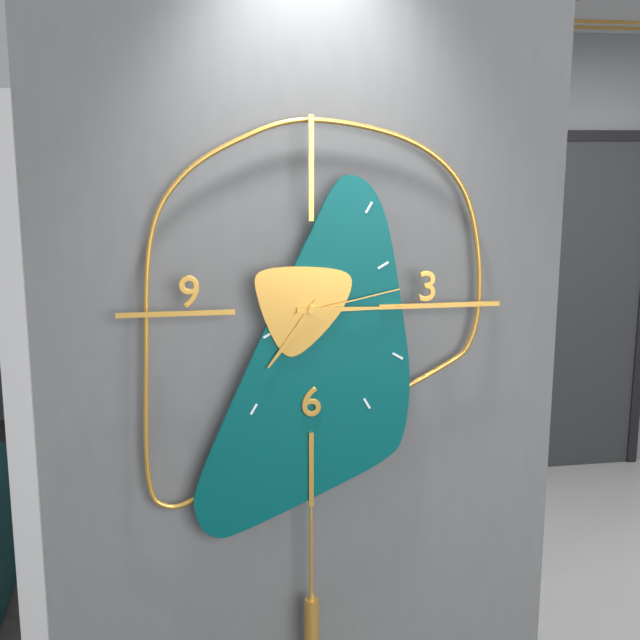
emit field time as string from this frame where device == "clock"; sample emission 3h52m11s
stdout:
7h15m13s
